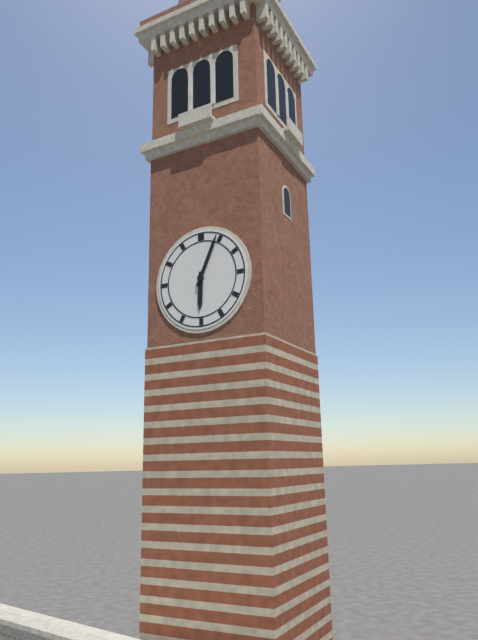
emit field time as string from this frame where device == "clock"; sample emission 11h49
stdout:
6h04
